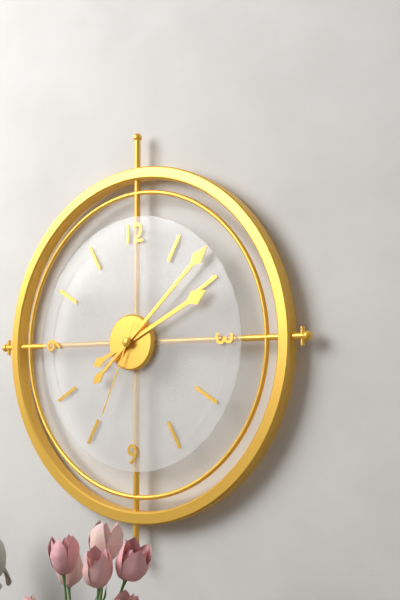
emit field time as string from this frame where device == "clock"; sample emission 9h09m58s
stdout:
2h08m34s
